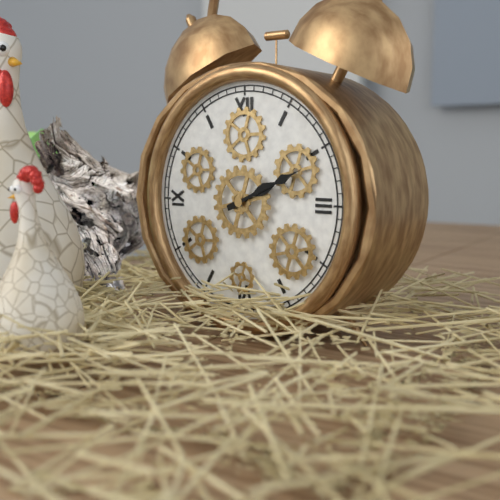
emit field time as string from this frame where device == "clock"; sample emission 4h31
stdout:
2h11
